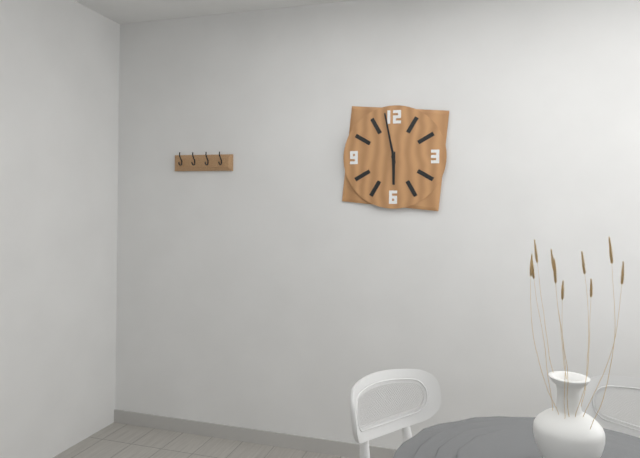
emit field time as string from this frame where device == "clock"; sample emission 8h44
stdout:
5h58
